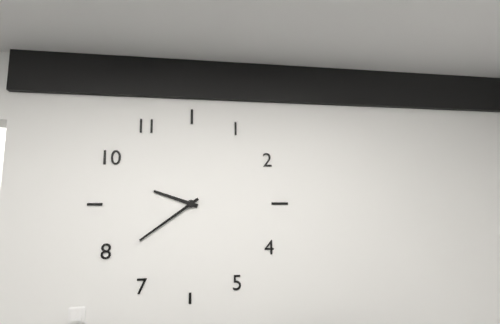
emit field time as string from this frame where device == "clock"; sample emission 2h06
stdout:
9h39
